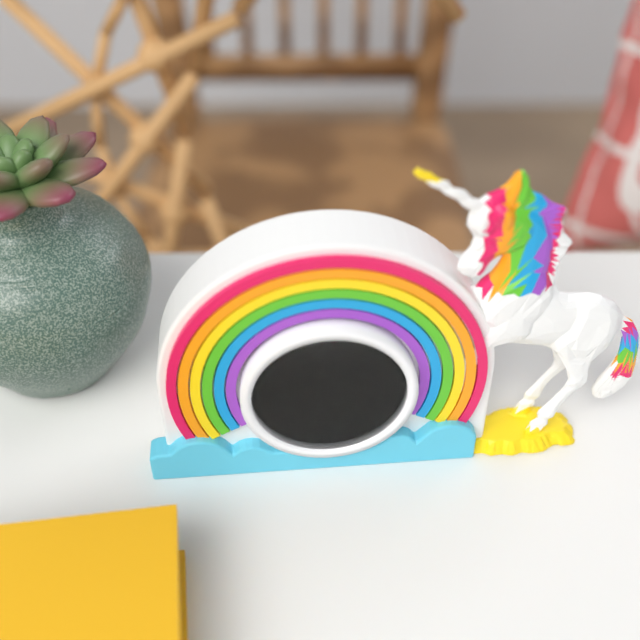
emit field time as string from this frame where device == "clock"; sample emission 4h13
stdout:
9h37
